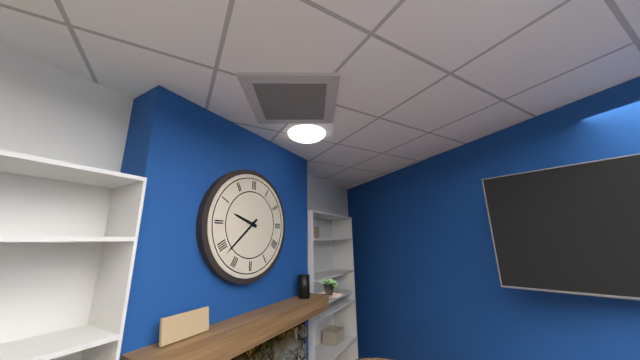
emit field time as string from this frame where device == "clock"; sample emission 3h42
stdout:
9h38
